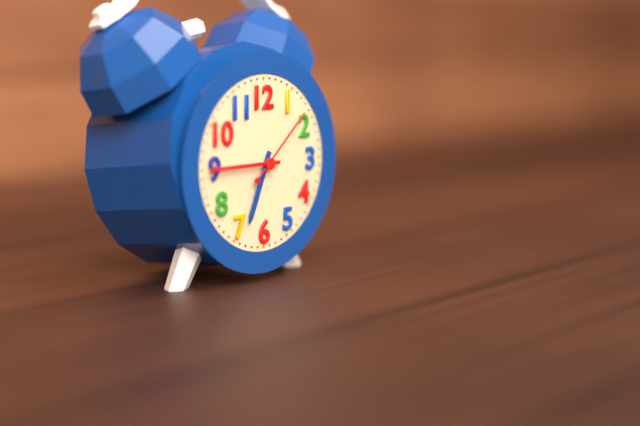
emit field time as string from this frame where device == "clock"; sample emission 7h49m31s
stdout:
6h45m08s
